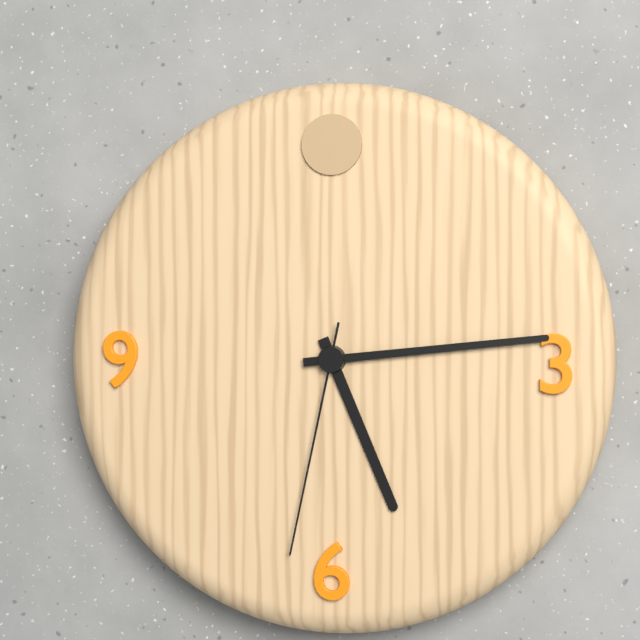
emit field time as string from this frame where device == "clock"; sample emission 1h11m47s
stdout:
5h14m32s
